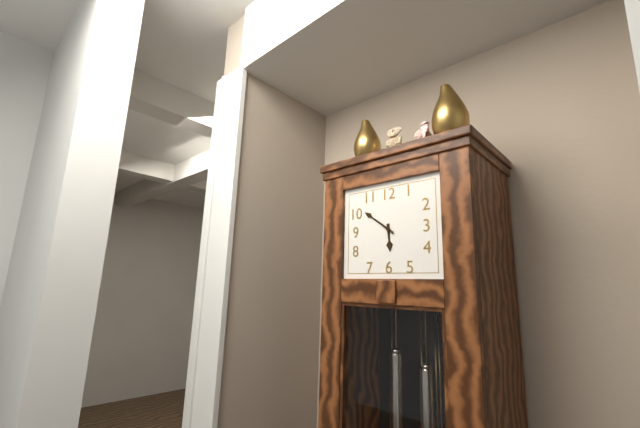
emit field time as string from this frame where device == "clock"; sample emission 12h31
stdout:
5h51
